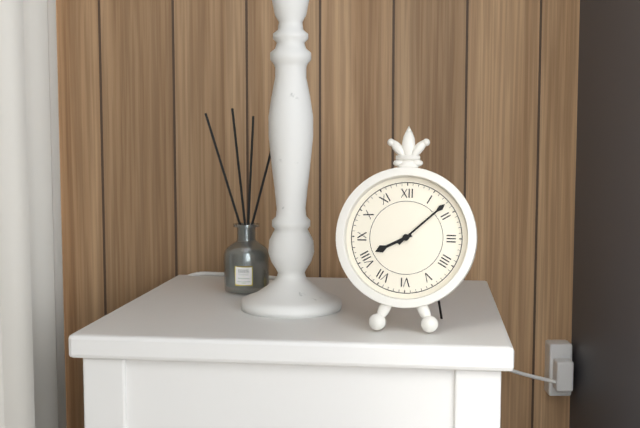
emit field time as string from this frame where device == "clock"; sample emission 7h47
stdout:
8h08
